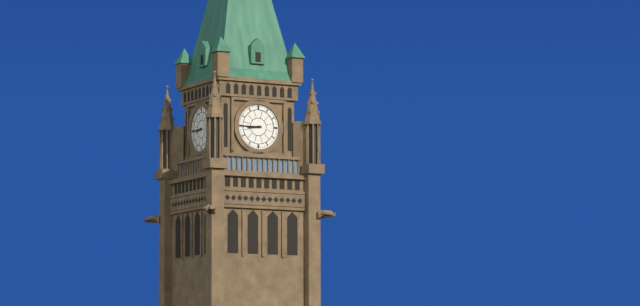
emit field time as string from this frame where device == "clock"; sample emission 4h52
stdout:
8h45
